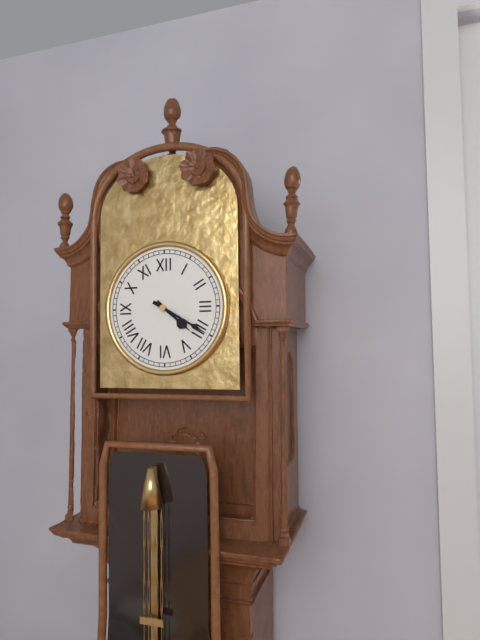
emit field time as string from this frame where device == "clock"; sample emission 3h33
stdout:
4h20
